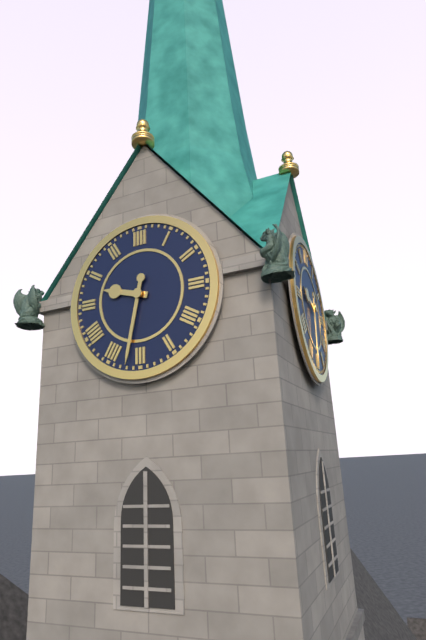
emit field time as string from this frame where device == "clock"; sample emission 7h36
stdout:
9h32
